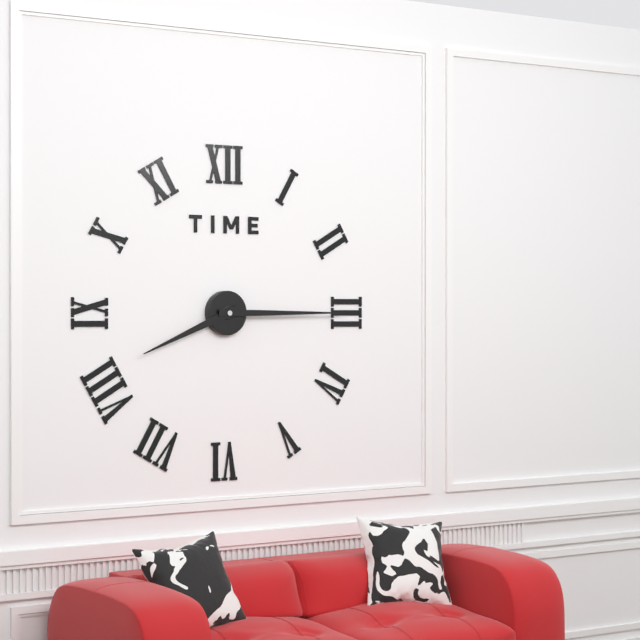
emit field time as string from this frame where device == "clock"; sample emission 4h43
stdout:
8h15
